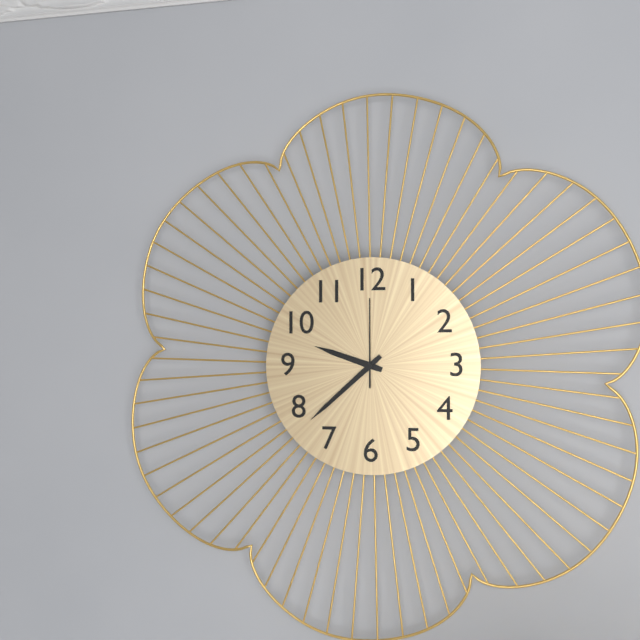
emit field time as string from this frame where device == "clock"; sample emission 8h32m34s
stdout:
9h38m00s
